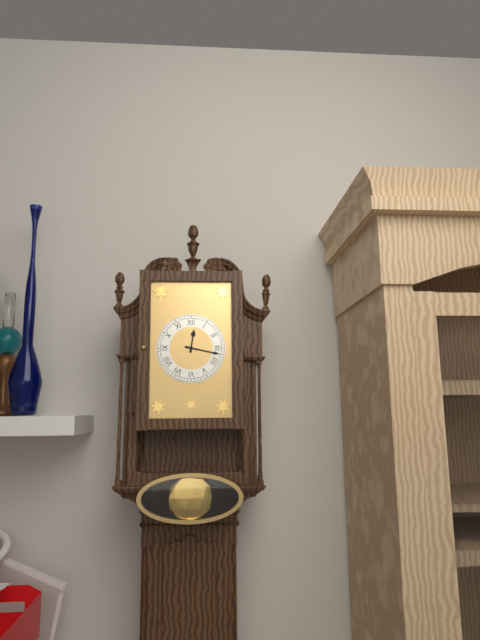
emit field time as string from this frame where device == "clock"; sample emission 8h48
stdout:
12h17
